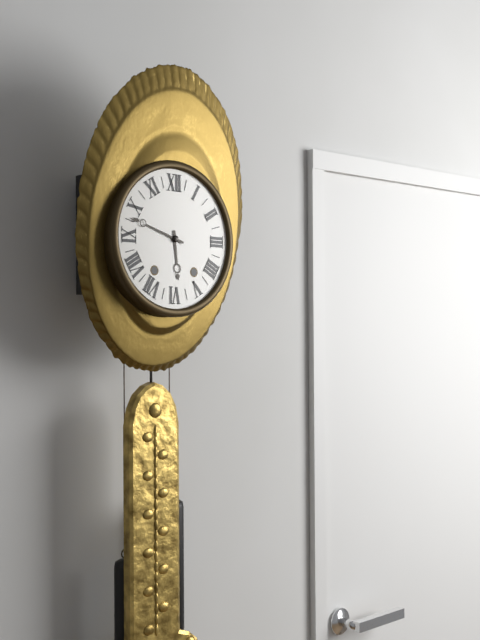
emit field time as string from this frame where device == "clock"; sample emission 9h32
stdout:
5h48
